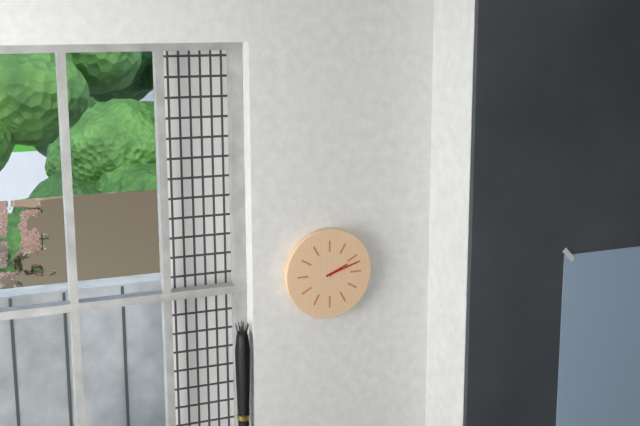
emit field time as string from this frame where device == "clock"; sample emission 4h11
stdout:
2h12
